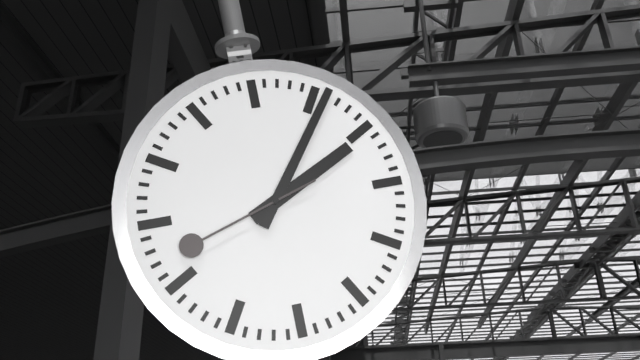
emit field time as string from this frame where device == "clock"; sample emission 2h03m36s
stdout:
2h06m42s
